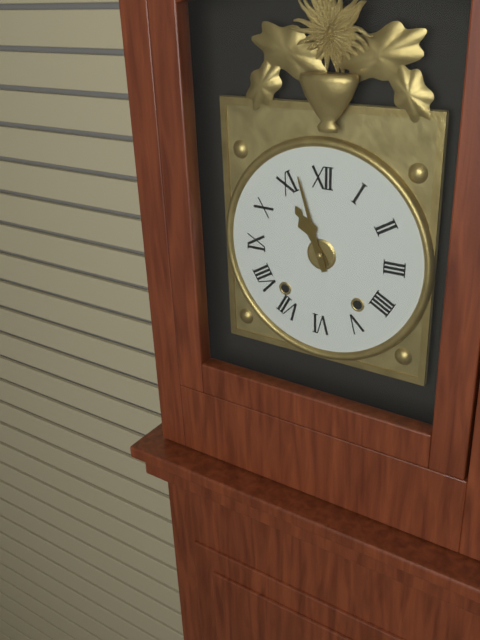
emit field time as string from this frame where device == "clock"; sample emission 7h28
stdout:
10h57
